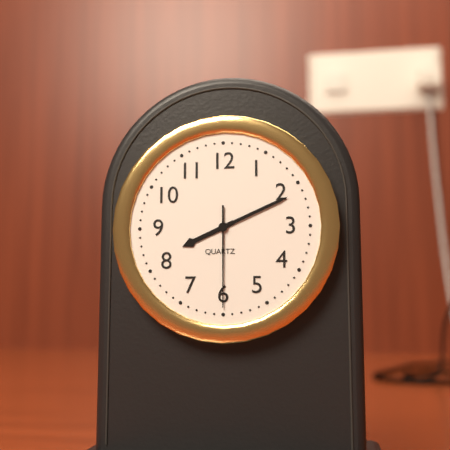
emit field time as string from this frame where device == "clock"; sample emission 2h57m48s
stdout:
8h11m30s
